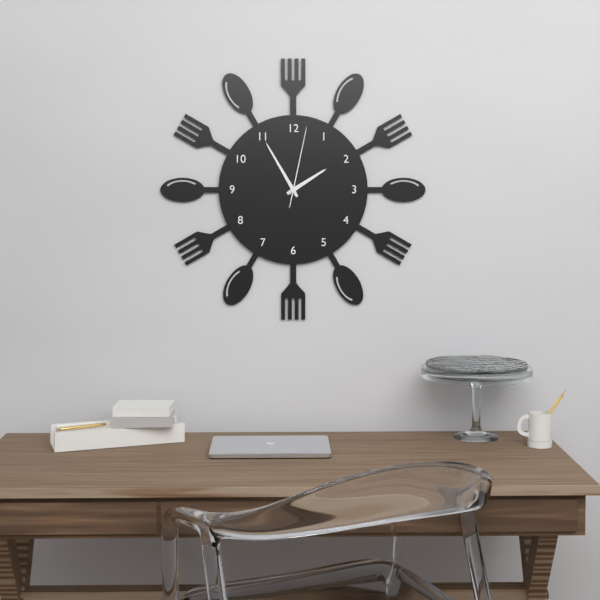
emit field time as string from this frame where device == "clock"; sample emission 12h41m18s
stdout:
1h55m02s
